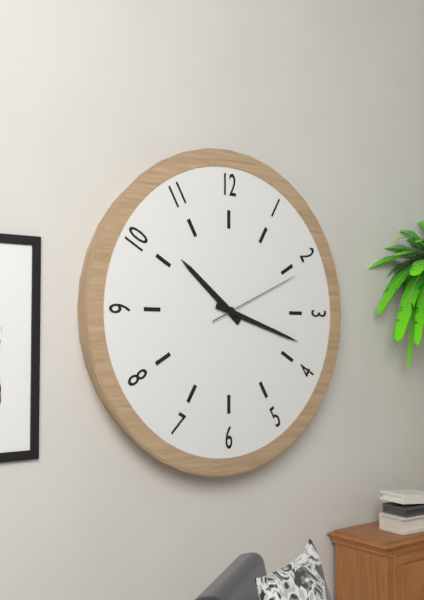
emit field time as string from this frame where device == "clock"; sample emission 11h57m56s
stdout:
10h18m11s
